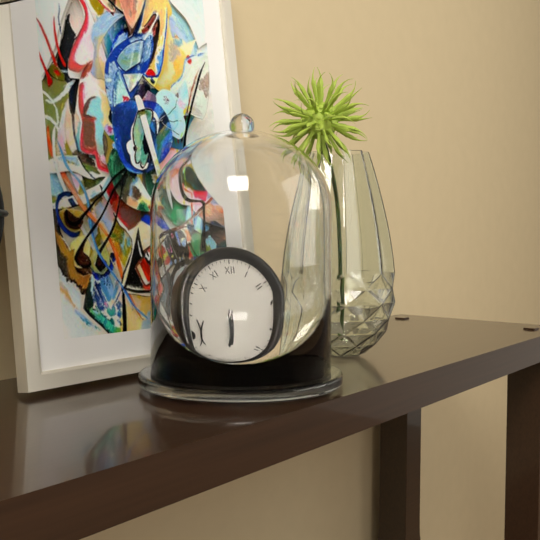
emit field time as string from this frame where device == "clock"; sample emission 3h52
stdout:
5h23
